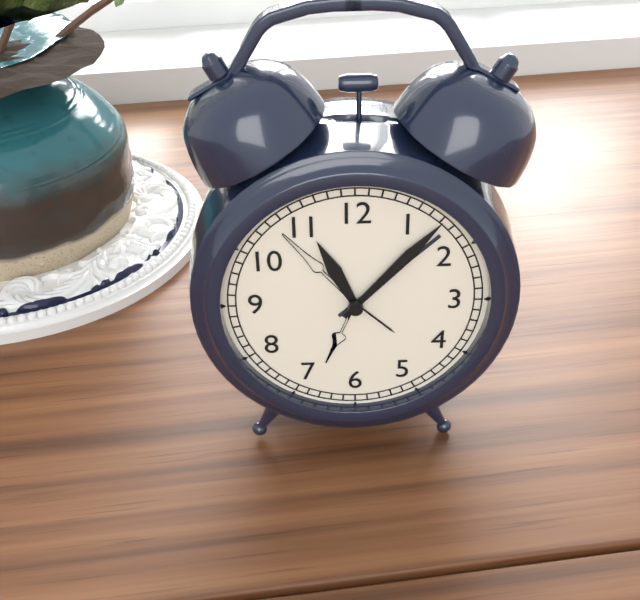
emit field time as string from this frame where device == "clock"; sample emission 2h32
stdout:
11h07
